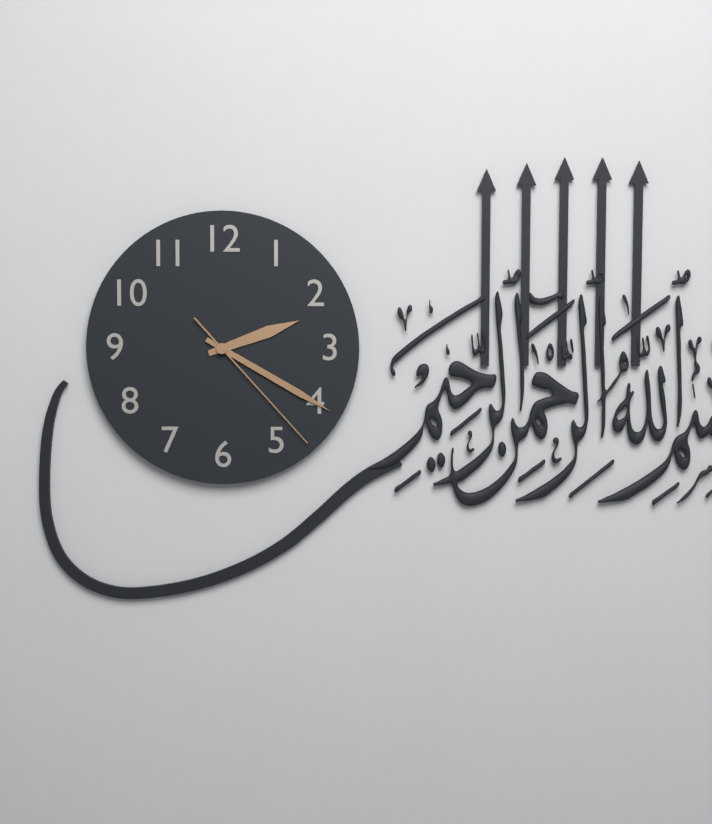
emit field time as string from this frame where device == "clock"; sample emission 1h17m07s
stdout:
2h20m23s
